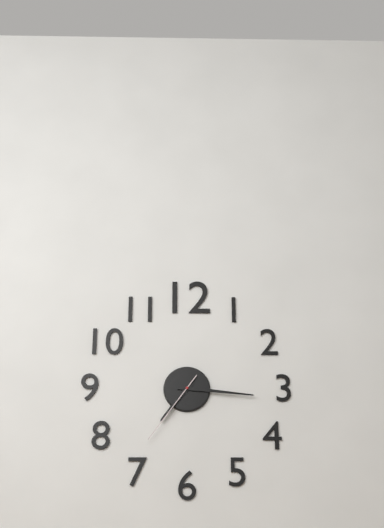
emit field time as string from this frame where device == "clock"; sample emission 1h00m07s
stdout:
7h16m36s
